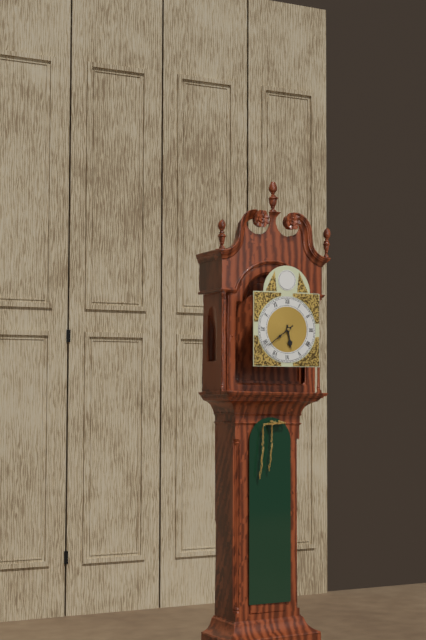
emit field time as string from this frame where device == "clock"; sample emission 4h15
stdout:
5h39
